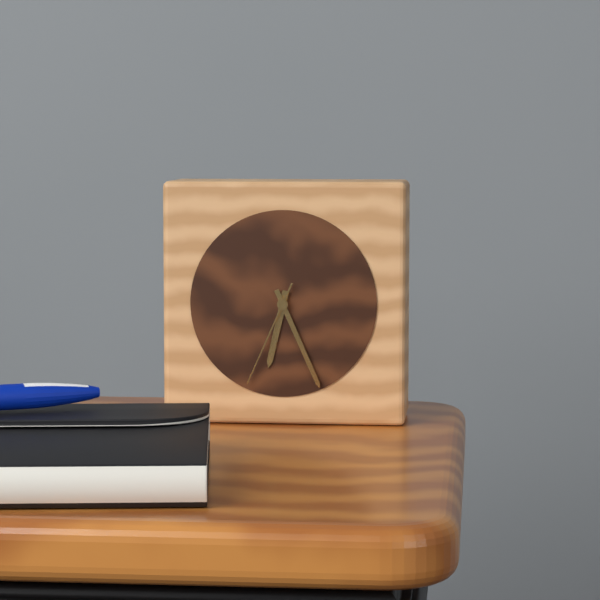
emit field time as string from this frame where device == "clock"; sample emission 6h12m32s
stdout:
6h26m34s
